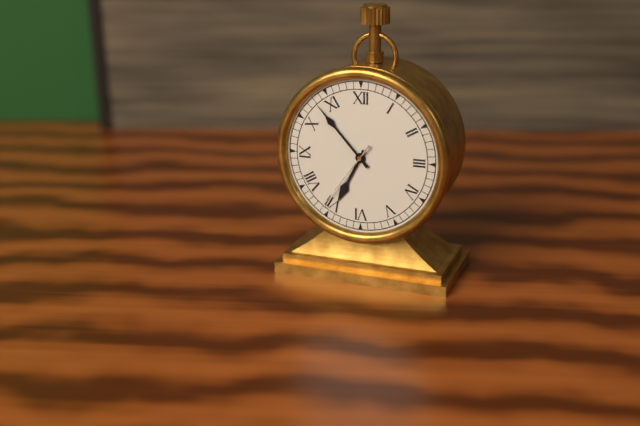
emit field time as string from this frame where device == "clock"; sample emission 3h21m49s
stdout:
6h53m36s
